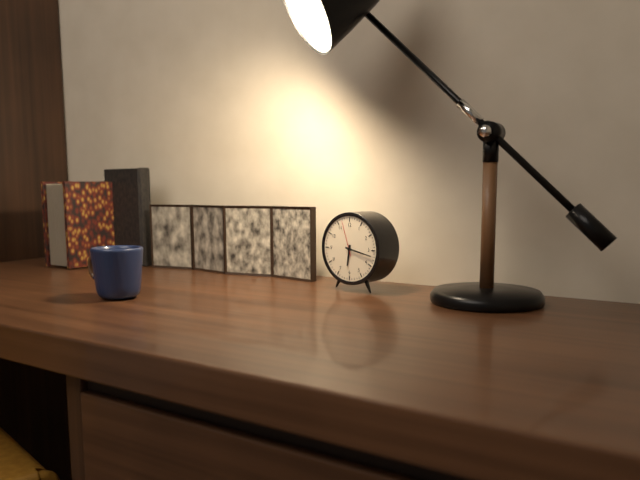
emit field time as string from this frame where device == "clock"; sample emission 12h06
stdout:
6h17
